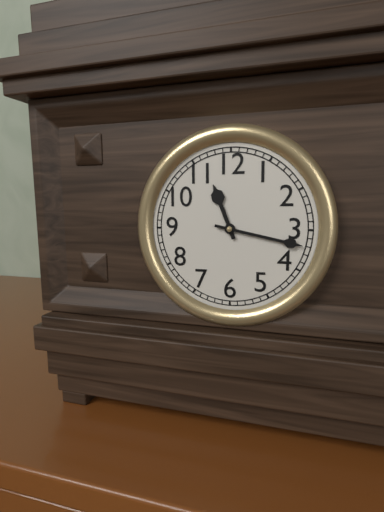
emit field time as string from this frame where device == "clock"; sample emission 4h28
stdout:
11h17
